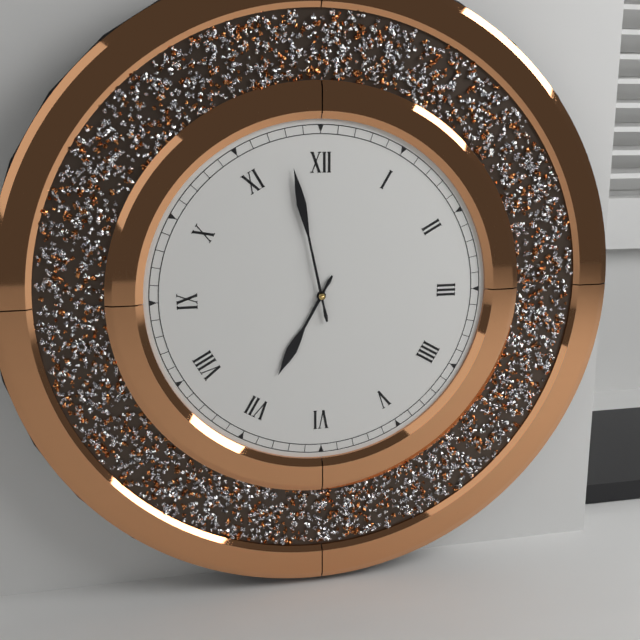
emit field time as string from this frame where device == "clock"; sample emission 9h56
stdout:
6h58
